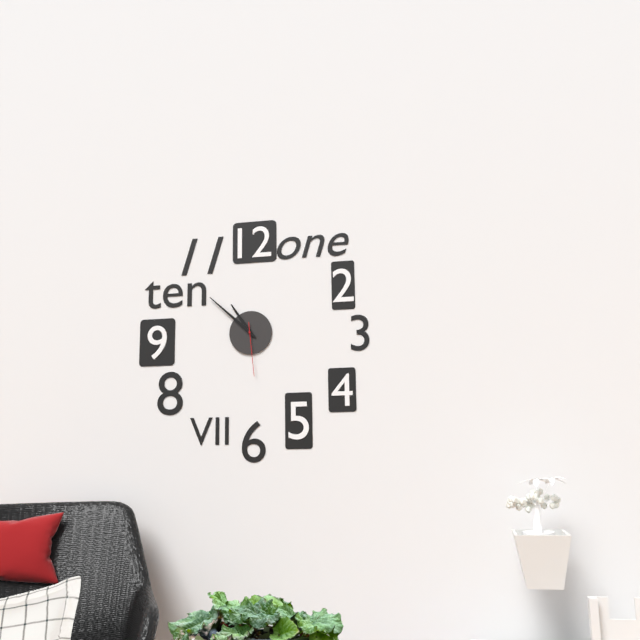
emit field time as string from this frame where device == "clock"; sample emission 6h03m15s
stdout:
10h52m29s
